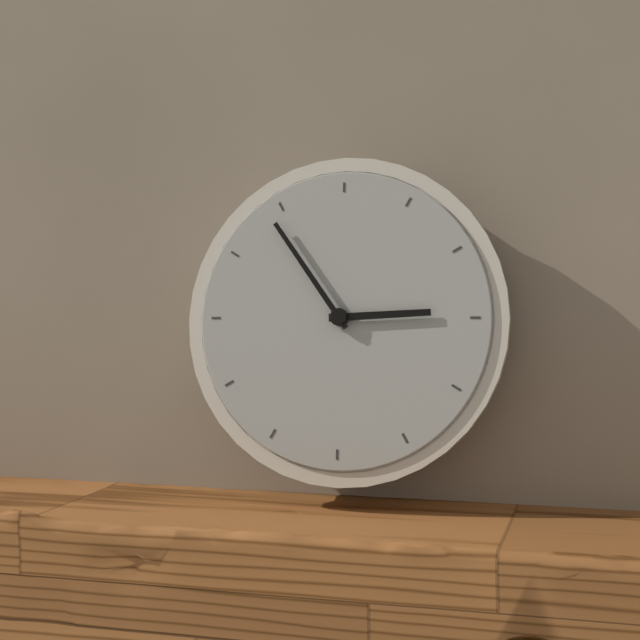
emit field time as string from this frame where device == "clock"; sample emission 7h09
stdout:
2h54
